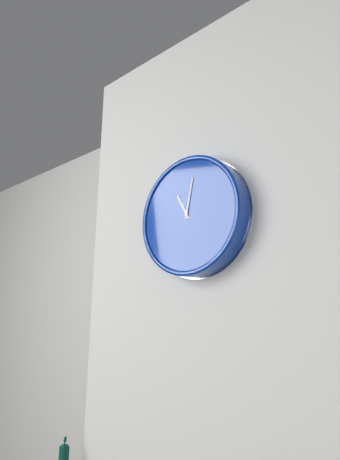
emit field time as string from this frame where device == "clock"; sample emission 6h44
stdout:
11h02
